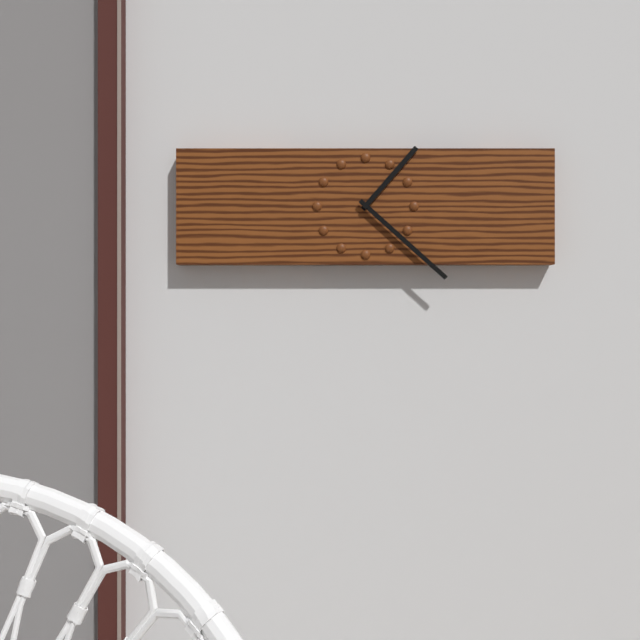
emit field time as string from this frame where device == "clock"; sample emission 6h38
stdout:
1h22
